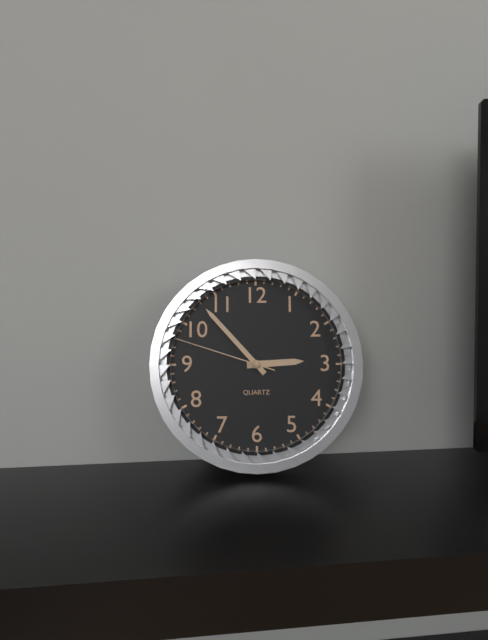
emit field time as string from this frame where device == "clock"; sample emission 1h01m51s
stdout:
2h53m48s
